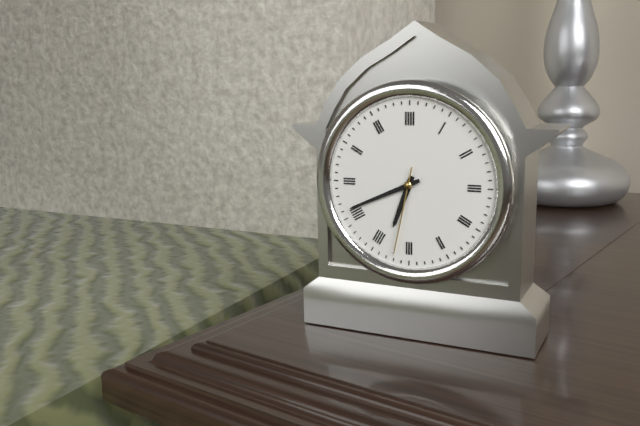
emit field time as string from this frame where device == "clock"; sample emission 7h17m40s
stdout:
6h41m32s
